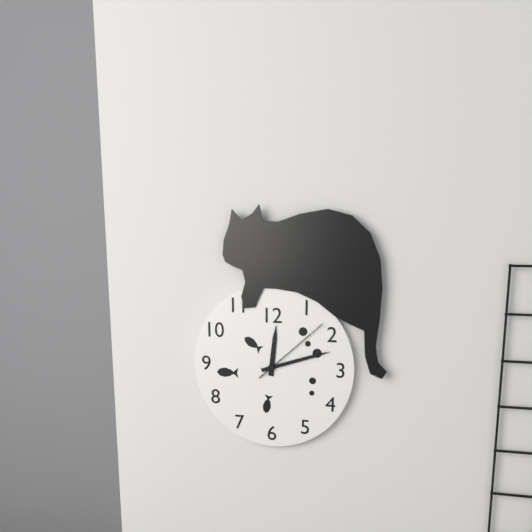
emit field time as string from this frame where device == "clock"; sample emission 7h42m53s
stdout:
12h12m08s
